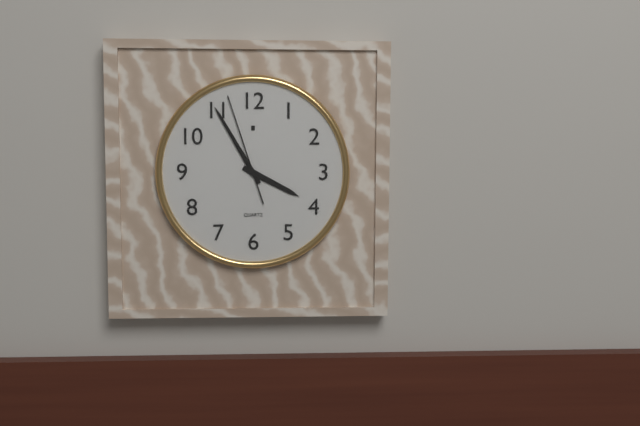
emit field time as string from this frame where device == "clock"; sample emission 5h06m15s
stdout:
3h55m57s
